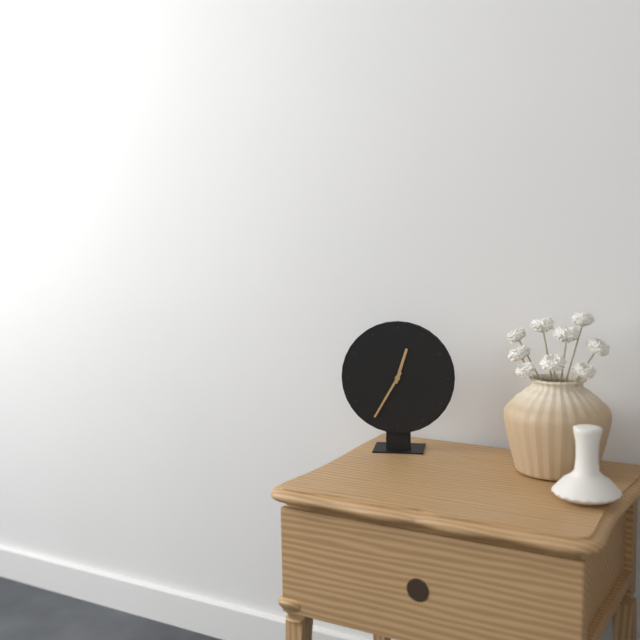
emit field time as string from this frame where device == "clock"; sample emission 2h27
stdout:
12h35
